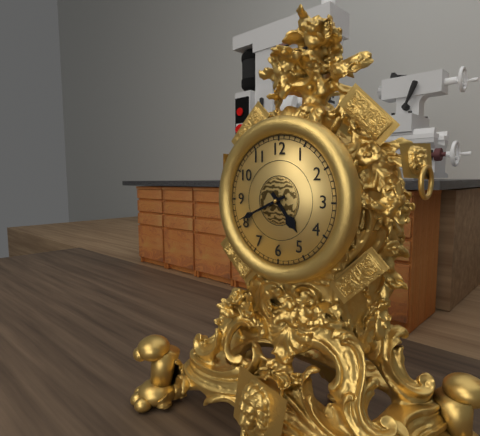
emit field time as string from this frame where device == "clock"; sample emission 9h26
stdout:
4h41
